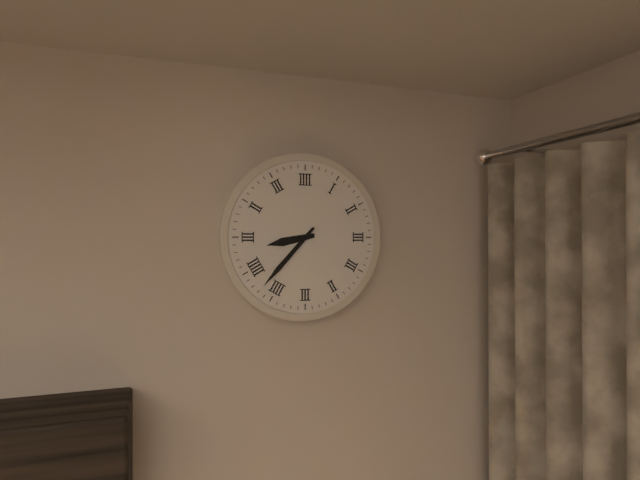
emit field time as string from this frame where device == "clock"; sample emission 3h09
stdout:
8h37
